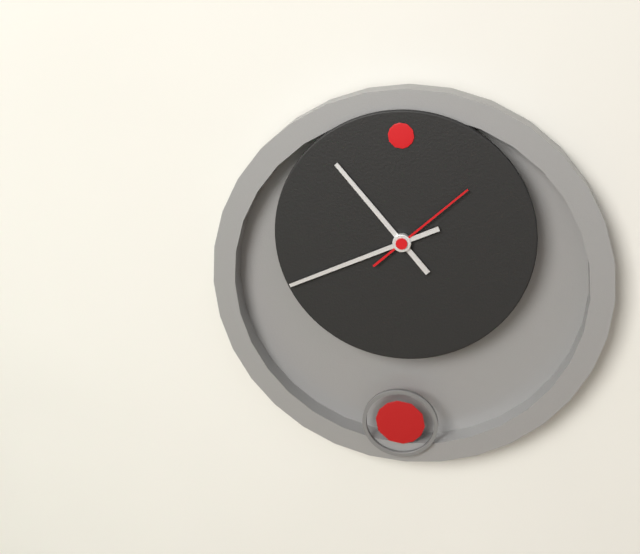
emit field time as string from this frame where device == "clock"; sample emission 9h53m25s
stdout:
10h41m08s
